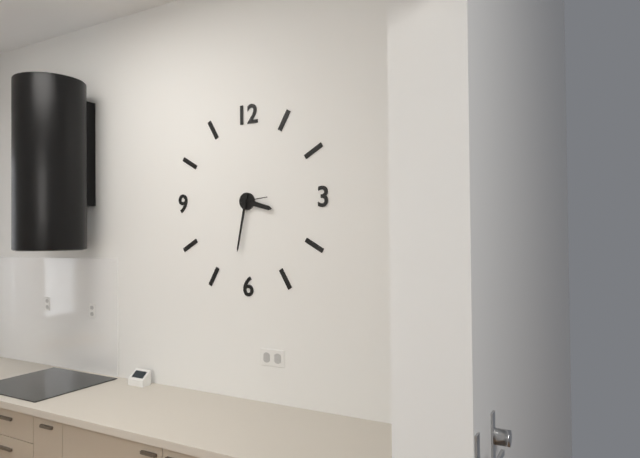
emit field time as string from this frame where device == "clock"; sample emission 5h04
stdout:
3h32
